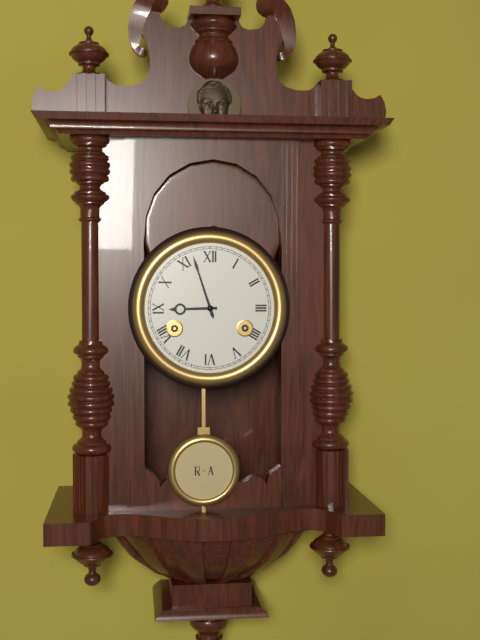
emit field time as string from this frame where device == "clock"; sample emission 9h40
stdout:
8h57
